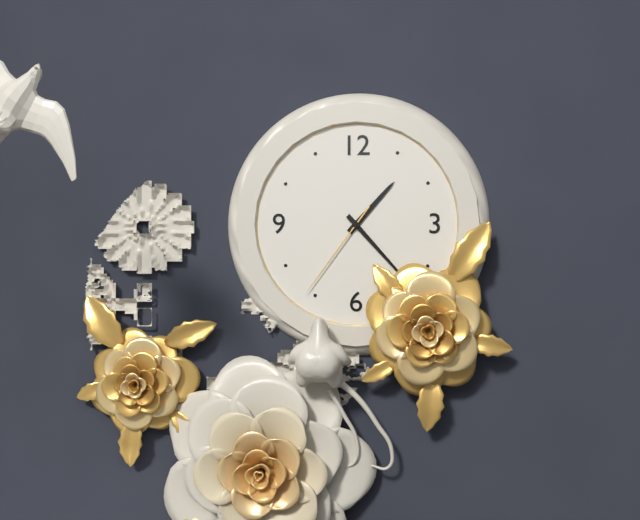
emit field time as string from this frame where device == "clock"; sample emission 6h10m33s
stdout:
1h23m36s
